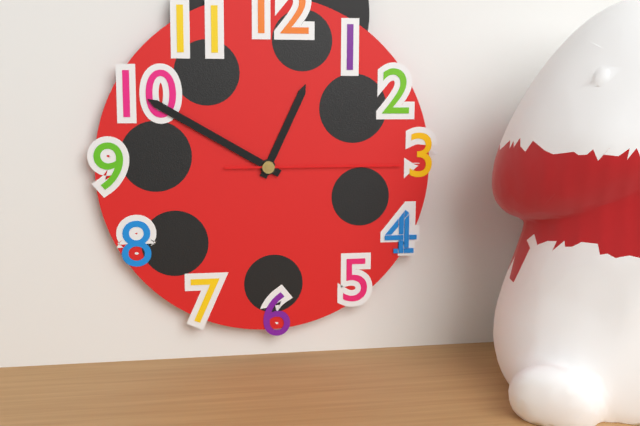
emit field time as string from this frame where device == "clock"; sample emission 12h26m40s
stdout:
12h50m15s
